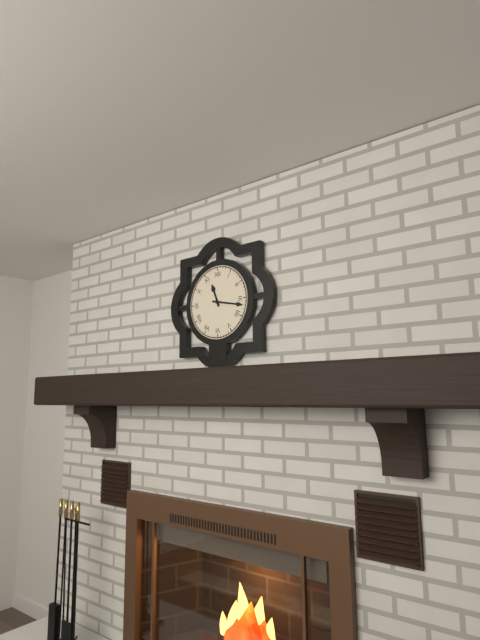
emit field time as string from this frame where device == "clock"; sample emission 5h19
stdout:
11h17
